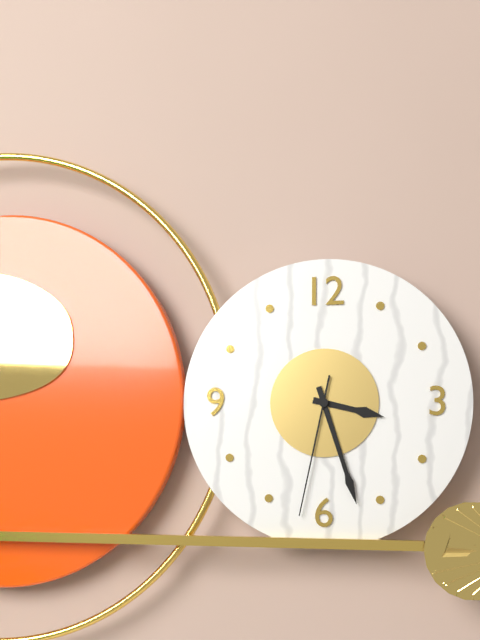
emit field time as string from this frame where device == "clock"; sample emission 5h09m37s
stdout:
3h27m32s
